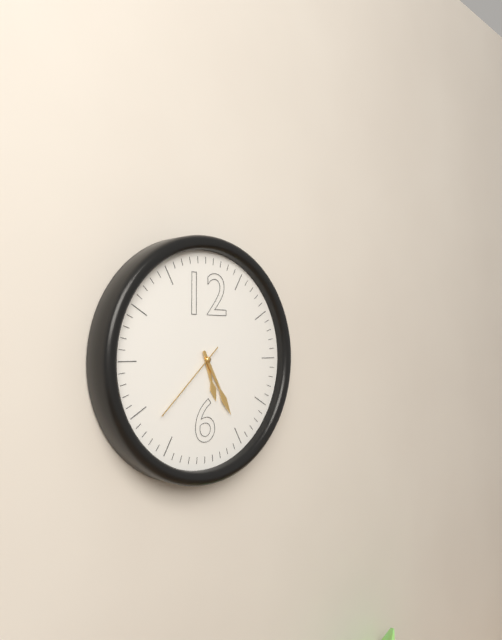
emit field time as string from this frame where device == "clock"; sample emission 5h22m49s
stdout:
5h25m38s
